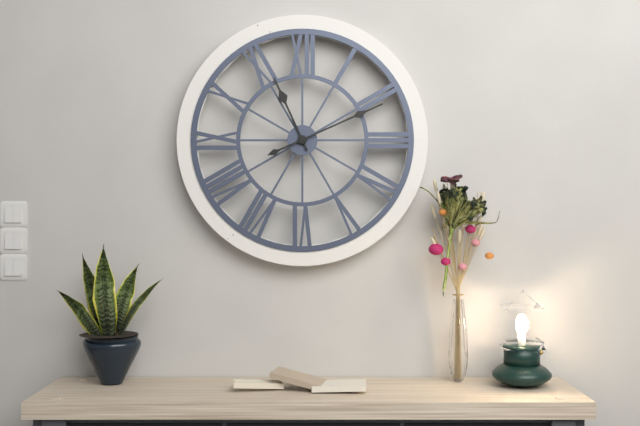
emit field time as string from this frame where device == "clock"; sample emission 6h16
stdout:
11h11
